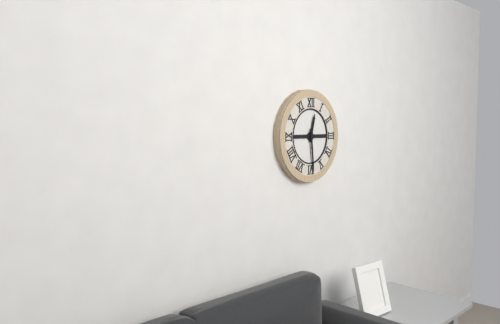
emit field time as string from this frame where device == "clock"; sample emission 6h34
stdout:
12h29
